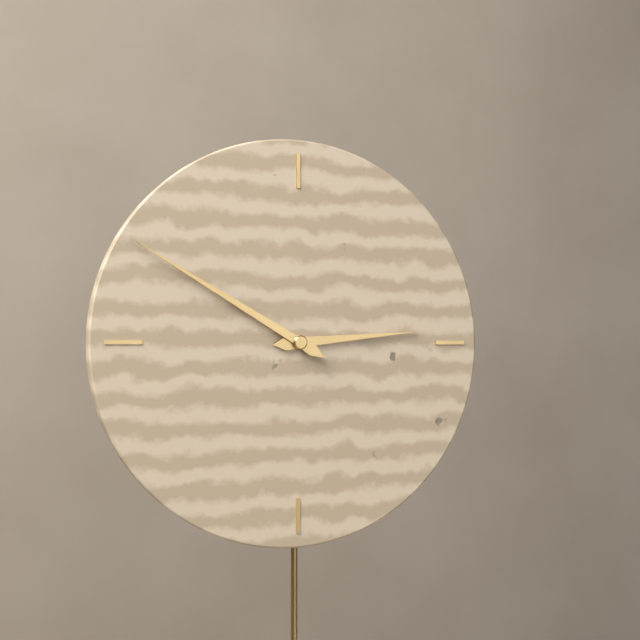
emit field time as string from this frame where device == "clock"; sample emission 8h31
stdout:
2h50
